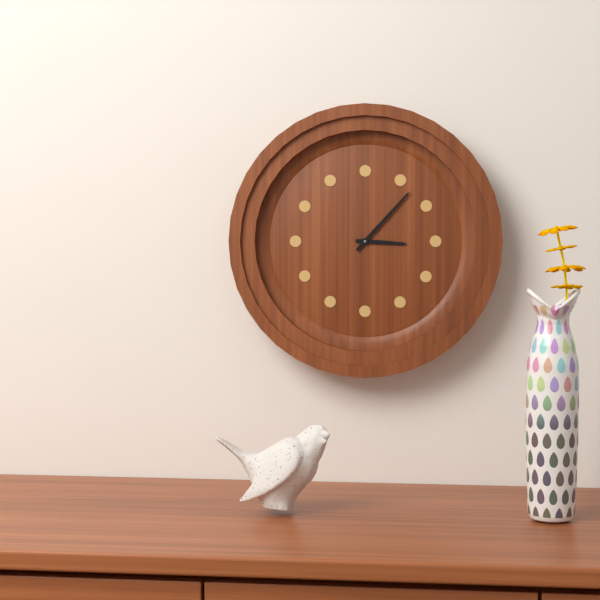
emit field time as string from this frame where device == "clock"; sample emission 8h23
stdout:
3h07
